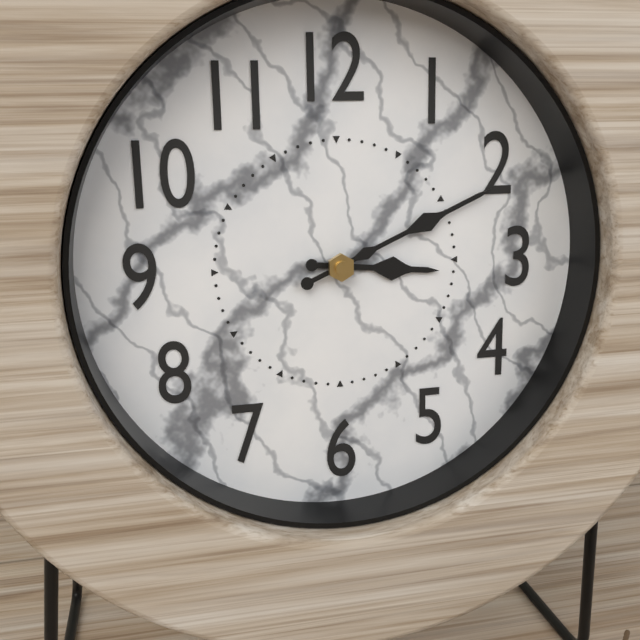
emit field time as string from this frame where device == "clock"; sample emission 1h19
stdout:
3h11
